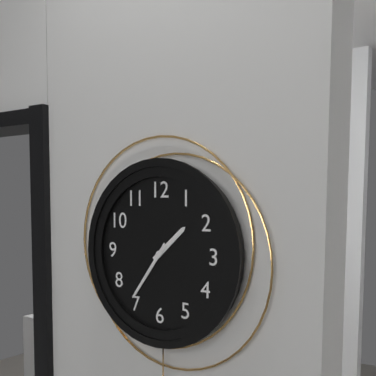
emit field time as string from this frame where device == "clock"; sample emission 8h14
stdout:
1h36
